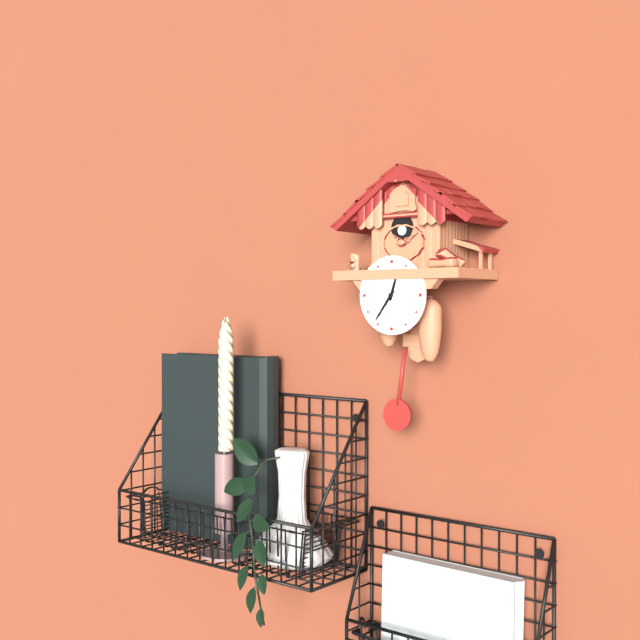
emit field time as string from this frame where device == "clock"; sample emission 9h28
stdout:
12h36
